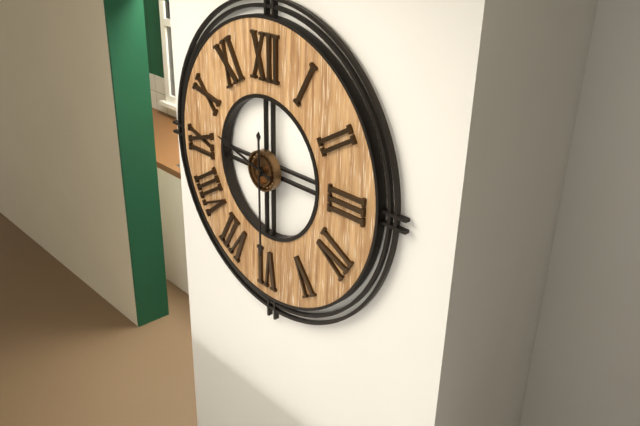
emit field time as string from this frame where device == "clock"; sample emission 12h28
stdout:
9h30
